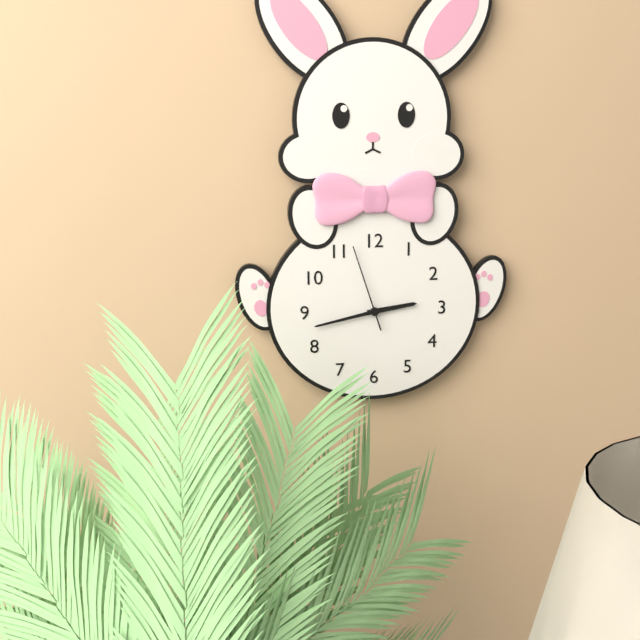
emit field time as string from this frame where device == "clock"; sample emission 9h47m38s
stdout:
2h43m57s
